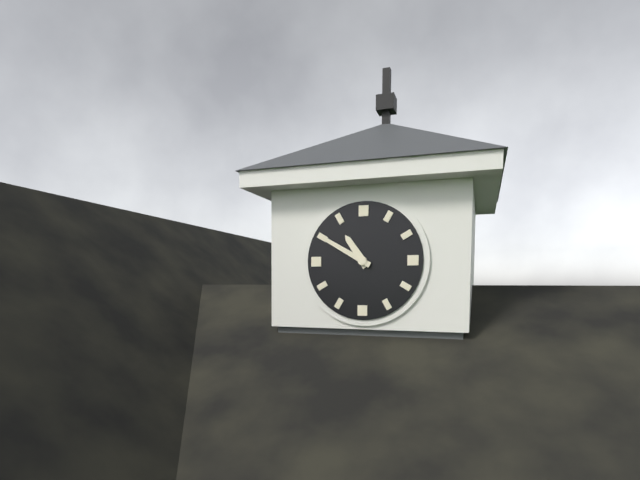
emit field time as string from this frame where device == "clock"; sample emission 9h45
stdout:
10h50
